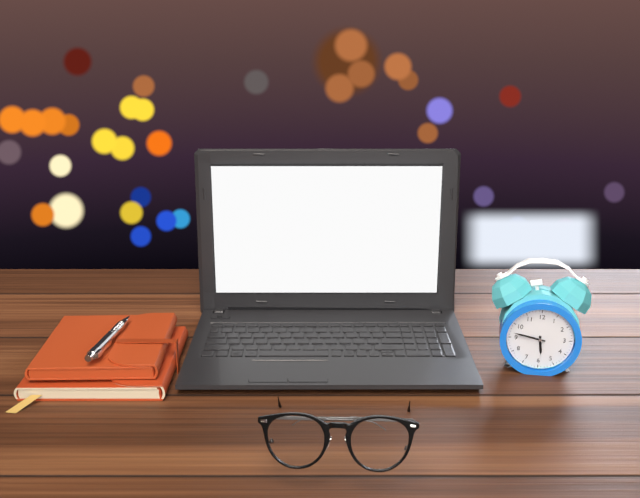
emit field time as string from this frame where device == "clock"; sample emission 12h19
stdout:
5h47
